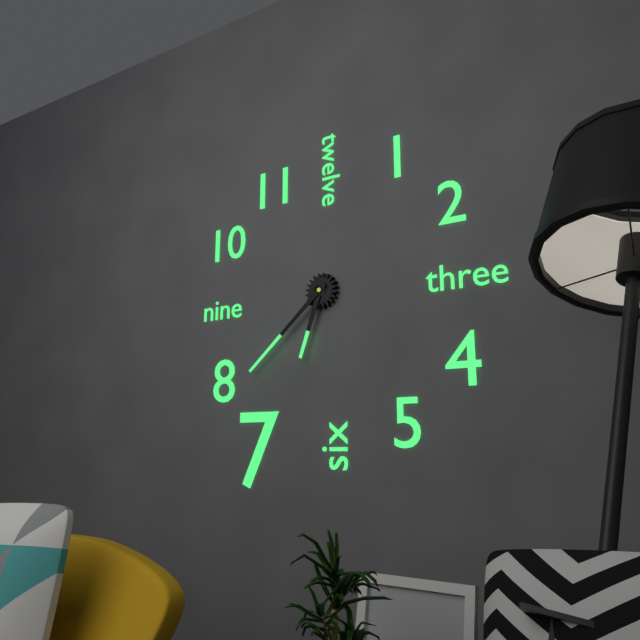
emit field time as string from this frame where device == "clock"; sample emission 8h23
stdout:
6h38
